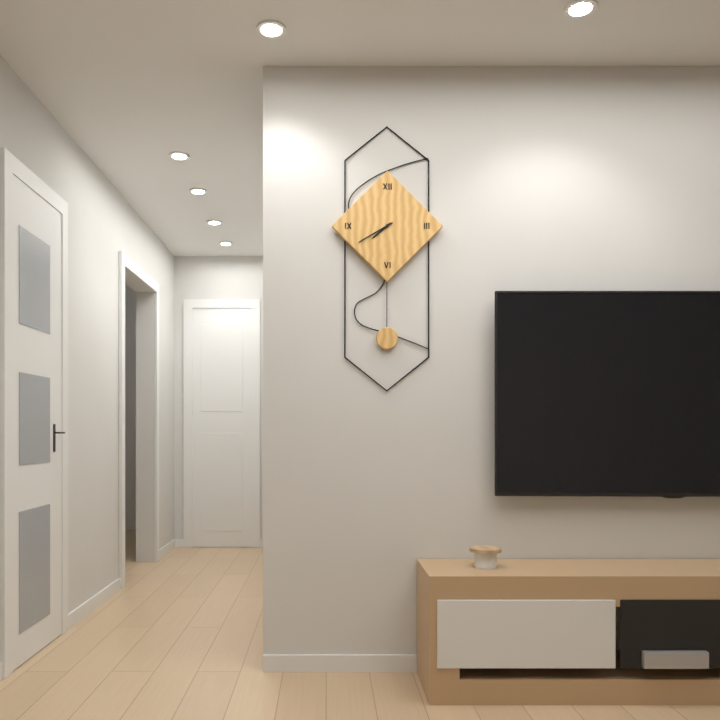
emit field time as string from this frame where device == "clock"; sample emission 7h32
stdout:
7h40
